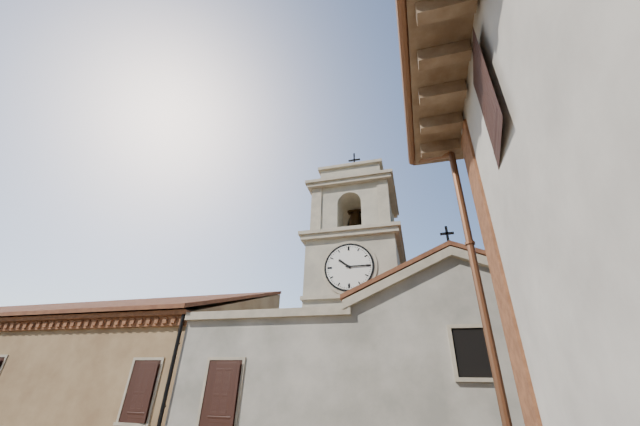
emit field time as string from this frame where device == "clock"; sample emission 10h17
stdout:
10h15
